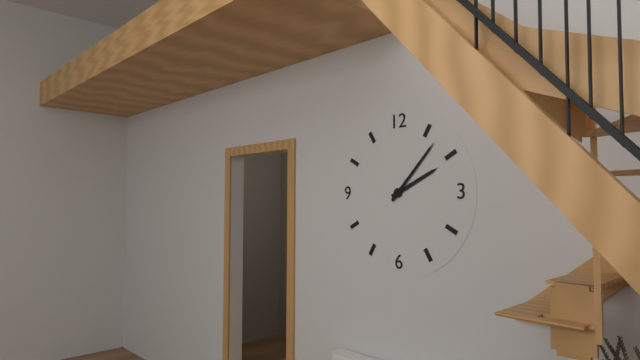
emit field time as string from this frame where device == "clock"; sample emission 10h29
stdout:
2h07
